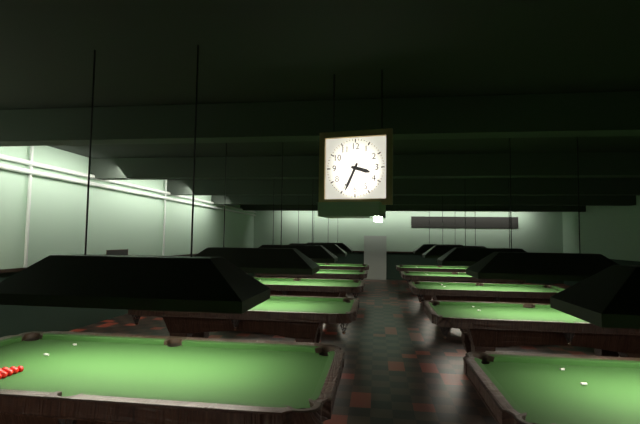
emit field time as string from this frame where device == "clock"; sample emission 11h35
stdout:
3h34
